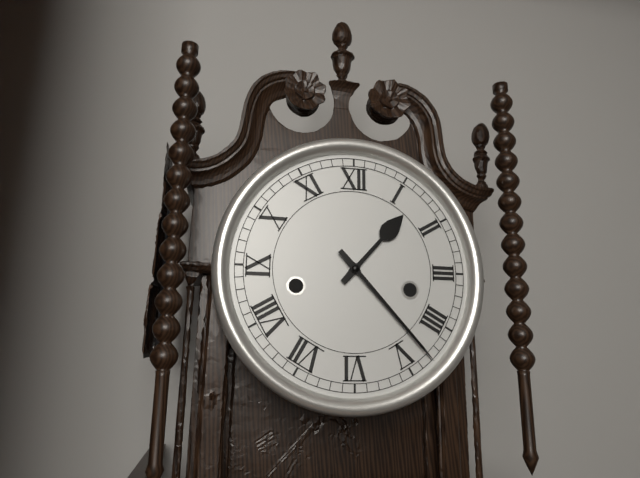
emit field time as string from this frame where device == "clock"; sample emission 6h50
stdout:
1h23
